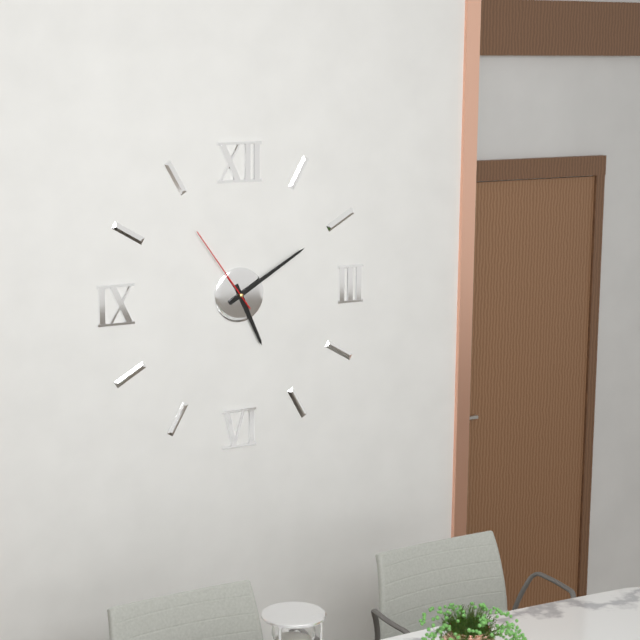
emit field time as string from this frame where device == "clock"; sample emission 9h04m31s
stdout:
5h10m54s
